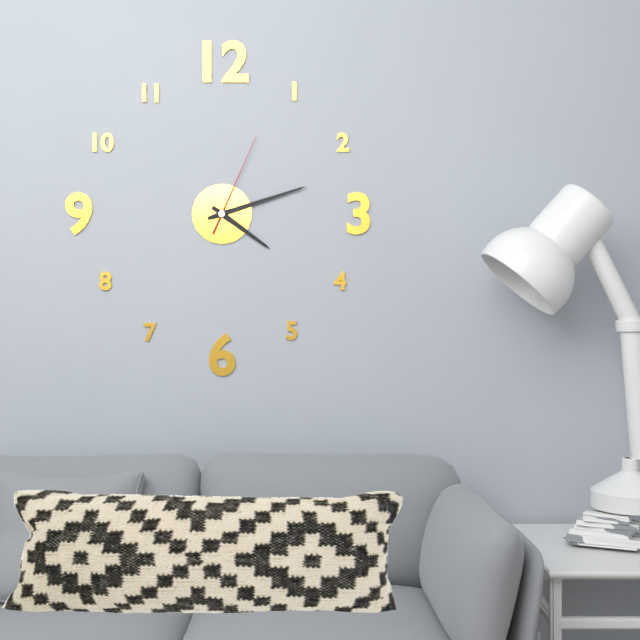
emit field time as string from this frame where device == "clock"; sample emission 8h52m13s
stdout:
4h12m04s
